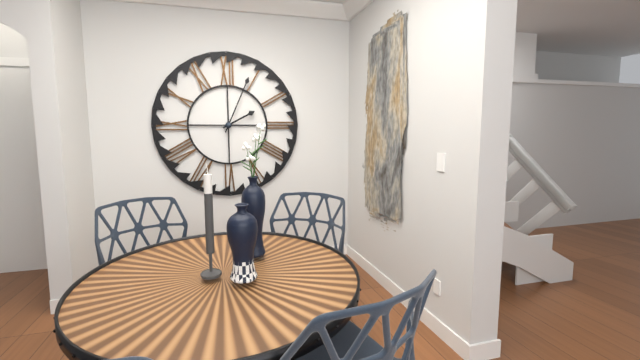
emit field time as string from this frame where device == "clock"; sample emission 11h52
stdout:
2h04
